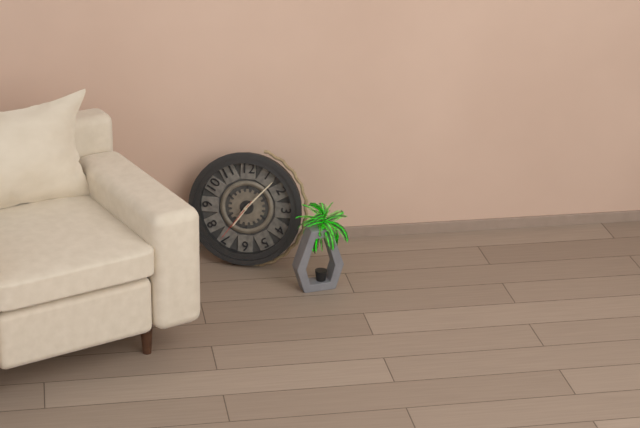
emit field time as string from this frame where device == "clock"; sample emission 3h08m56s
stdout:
7h07m36s
